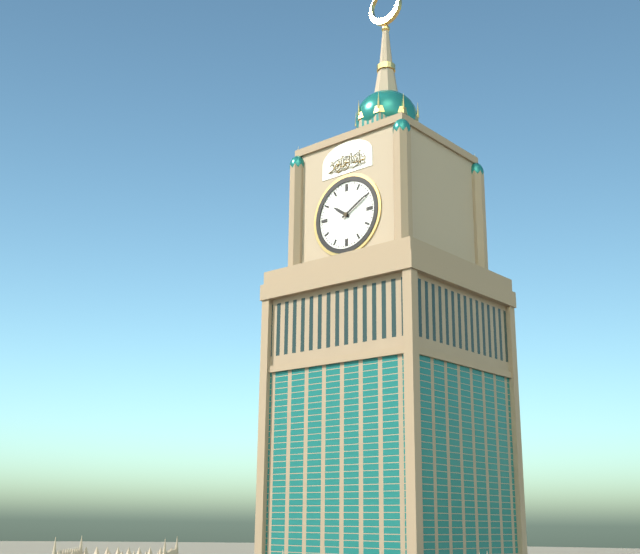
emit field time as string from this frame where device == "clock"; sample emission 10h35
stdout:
10h10
